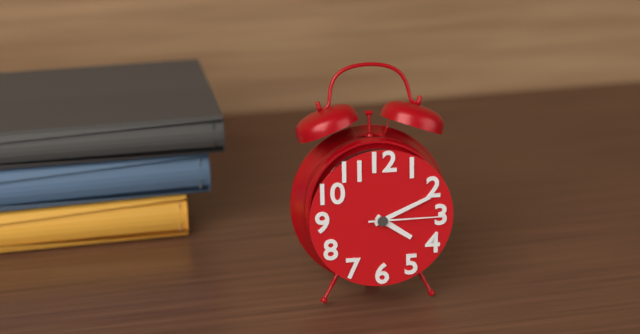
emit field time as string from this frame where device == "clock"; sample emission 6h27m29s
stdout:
4h11m15s
